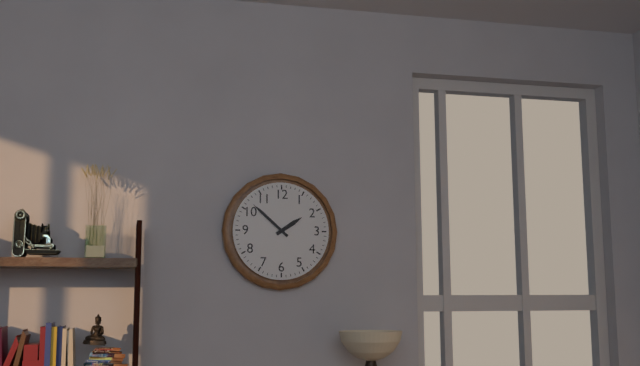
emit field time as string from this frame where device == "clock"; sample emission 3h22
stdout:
1h52
